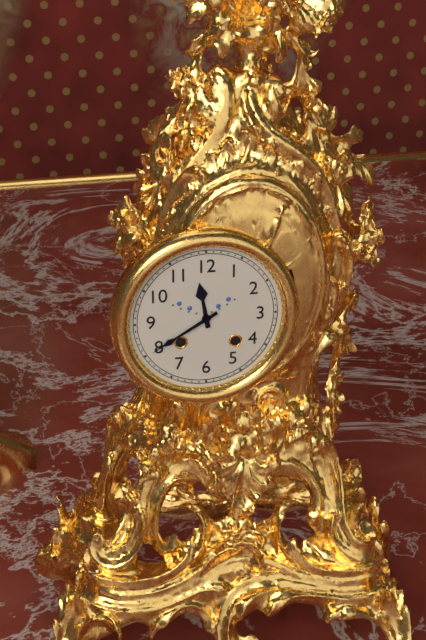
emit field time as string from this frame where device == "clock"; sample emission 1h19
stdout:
11h40
